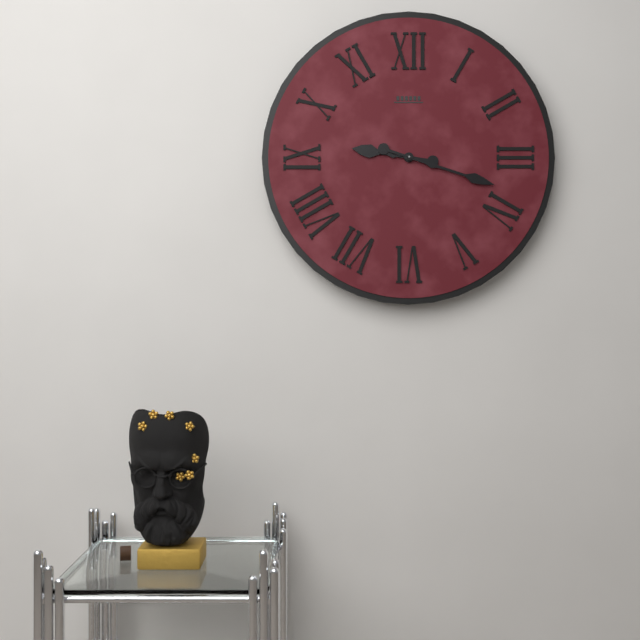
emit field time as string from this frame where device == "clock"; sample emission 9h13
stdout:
9h18
